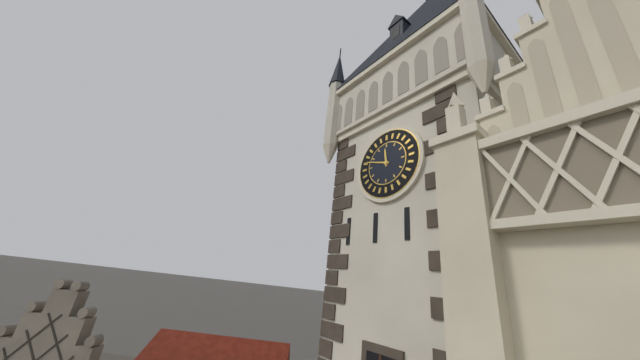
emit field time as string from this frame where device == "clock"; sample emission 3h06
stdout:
11h48
